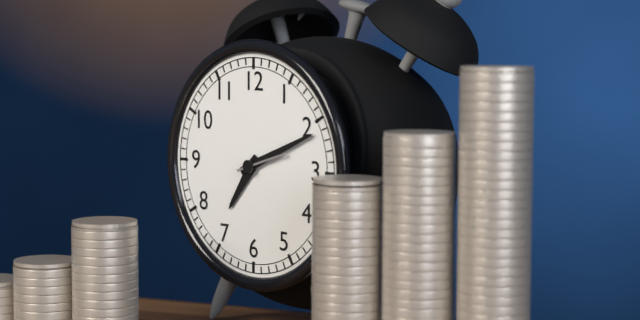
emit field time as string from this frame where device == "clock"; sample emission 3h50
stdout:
7h11
